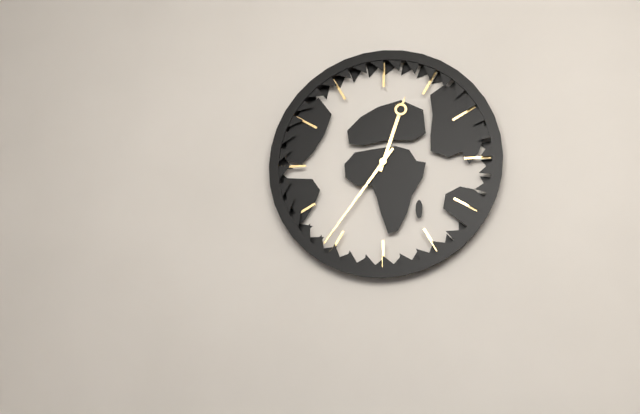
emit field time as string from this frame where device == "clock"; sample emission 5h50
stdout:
12h36
